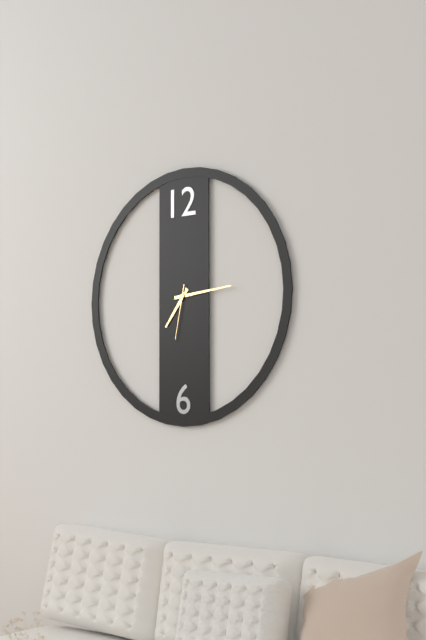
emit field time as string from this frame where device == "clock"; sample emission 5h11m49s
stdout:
7h14m32s
